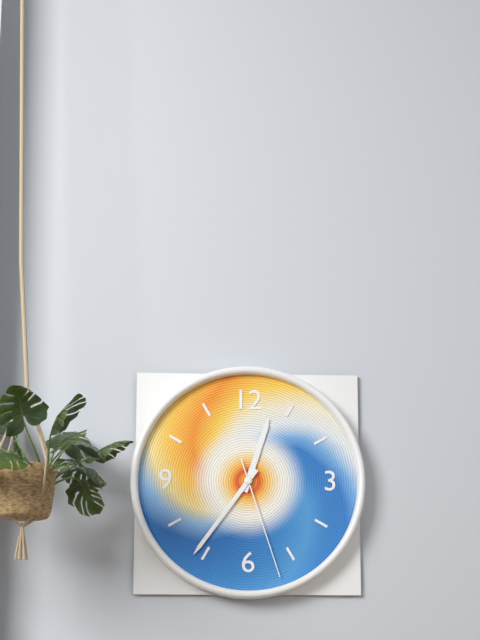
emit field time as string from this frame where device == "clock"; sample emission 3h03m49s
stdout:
12h36m27s
